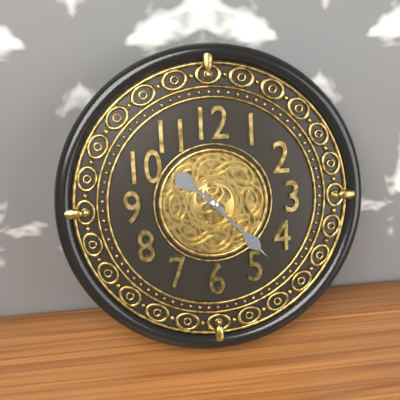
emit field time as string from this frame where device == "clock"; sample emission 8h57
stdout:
10h23
